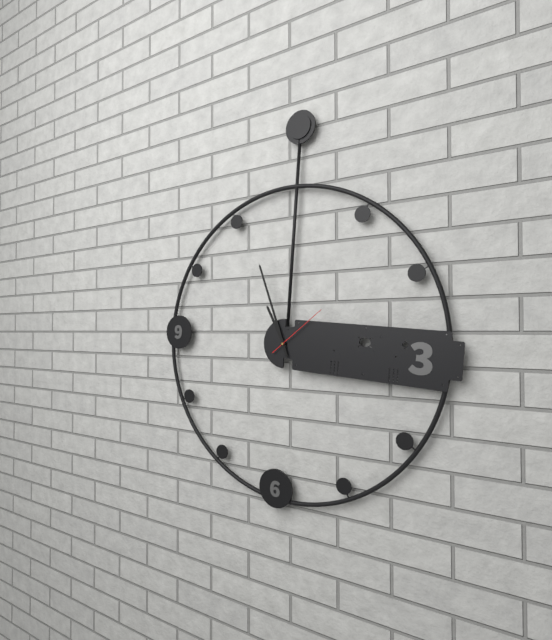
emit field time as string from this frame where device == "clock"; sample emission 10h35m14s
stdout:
10h56m08s
